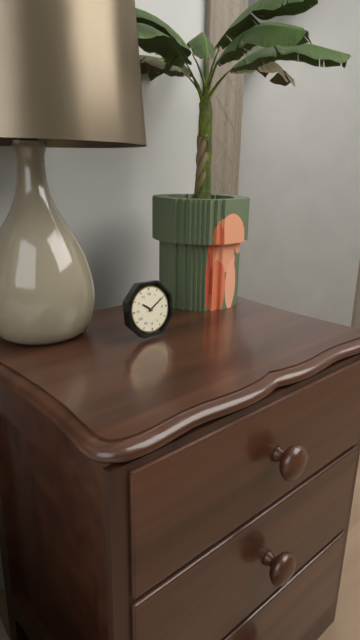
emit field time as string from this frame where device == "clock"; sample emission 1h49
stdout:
10h10
